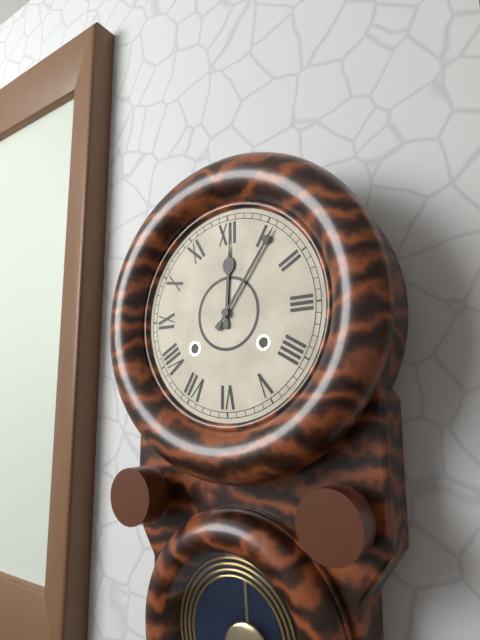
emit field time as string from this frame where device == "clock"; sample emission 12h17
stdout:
12h06
